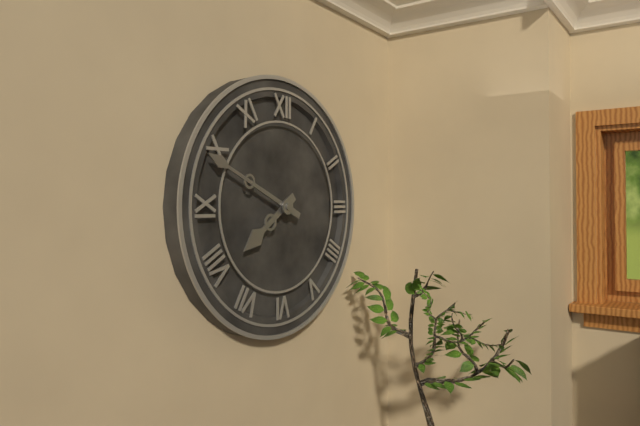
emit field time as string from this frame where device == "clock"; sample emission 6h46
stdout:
7h49
